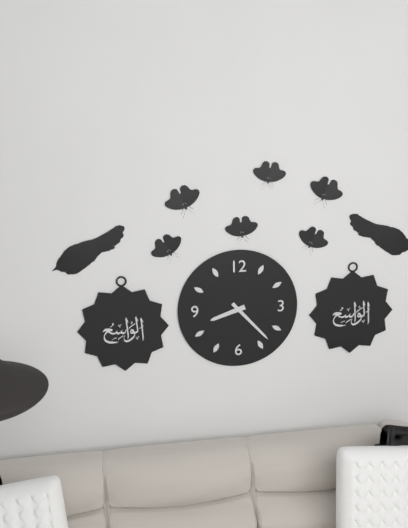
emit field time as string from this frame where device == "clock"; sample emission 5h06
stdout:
8h23
